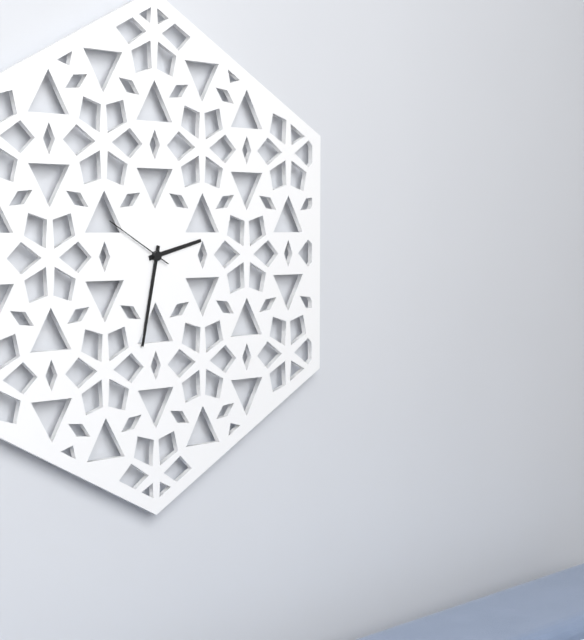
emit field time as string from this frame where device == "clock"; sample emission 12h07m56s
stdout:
2h32m50s
